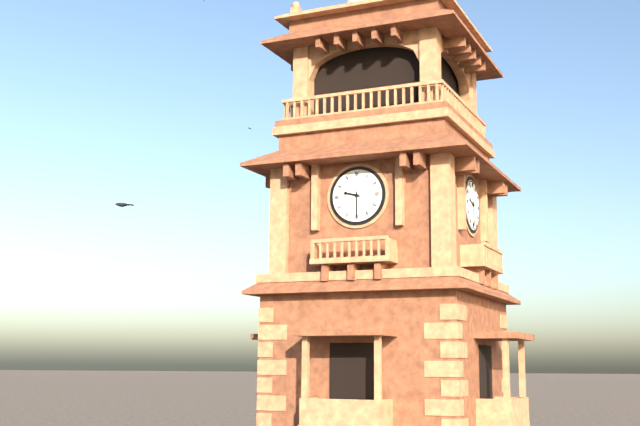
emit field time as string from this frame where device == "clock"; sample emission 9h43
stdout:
9h30
